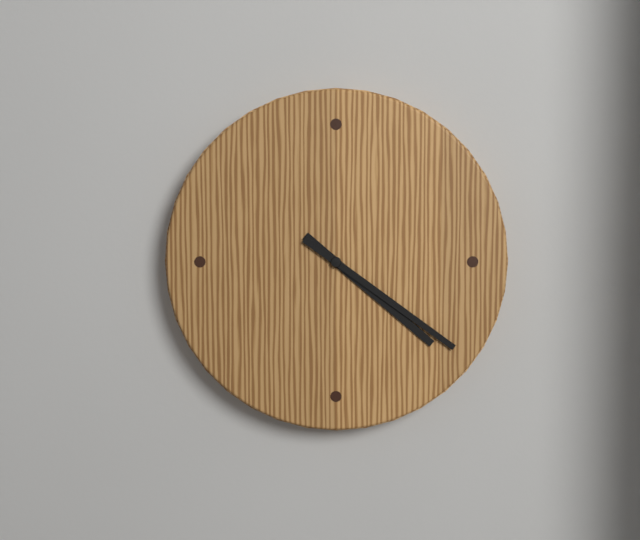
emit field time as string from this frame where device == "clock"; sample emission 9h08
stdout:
4h21
